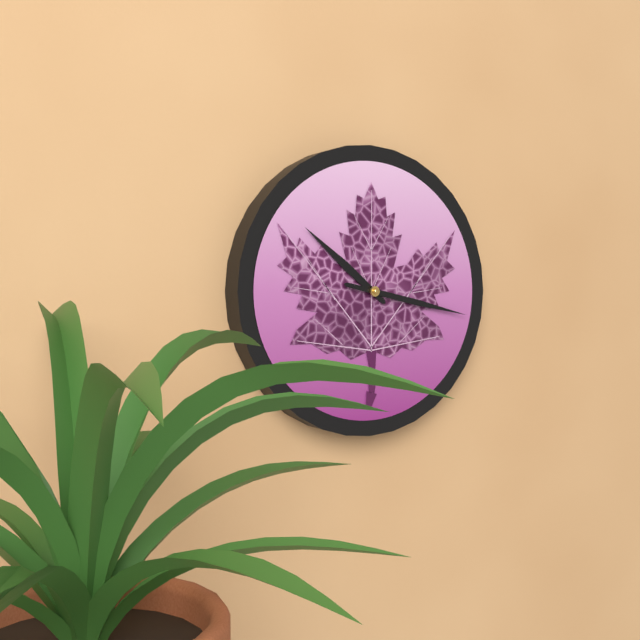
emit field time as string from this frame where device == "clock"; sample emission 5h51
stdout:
10h17
